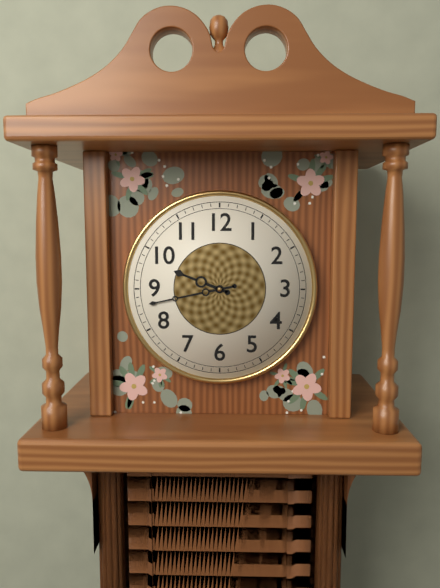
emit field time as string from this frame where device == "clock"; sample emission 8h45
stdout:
9h43
